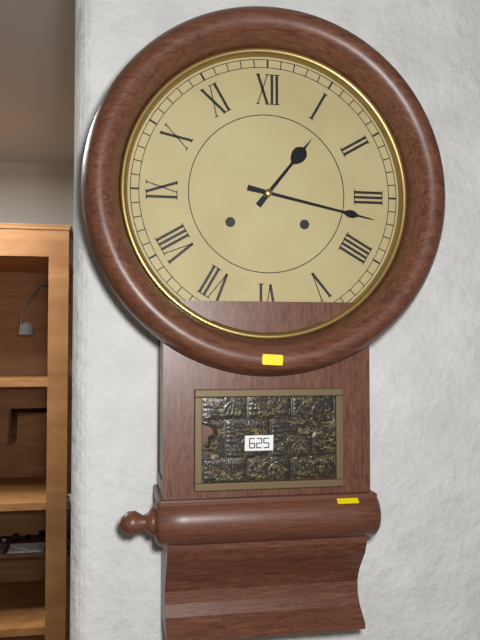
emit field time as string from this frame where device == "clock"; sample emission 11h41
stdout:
1h17
